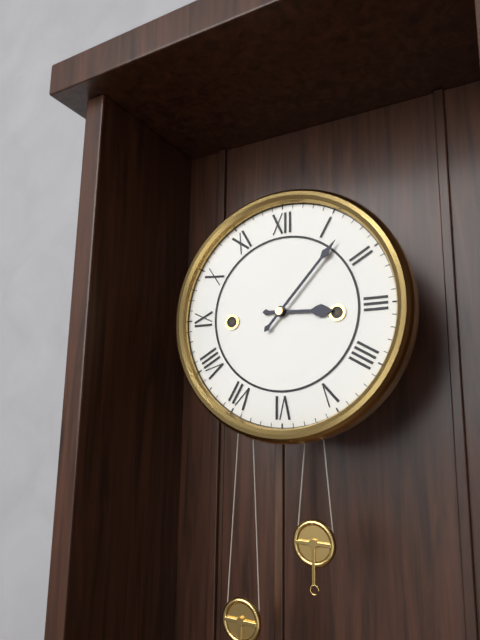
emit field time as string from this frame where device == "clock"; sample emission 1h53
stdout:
3h07
